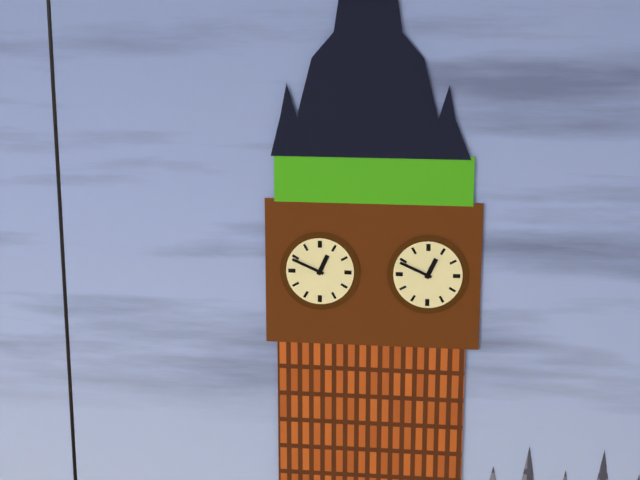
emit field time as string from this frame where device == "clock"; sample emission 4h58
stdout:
12h49
